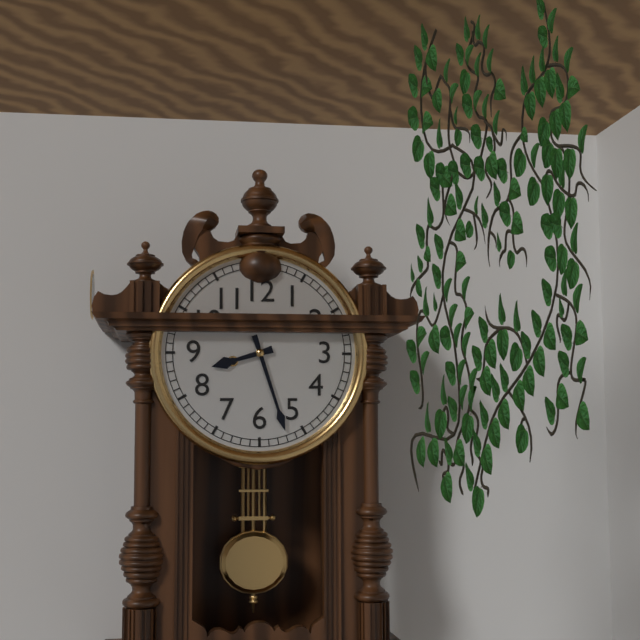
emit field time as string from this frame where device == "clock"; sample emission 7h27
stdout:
8h27
